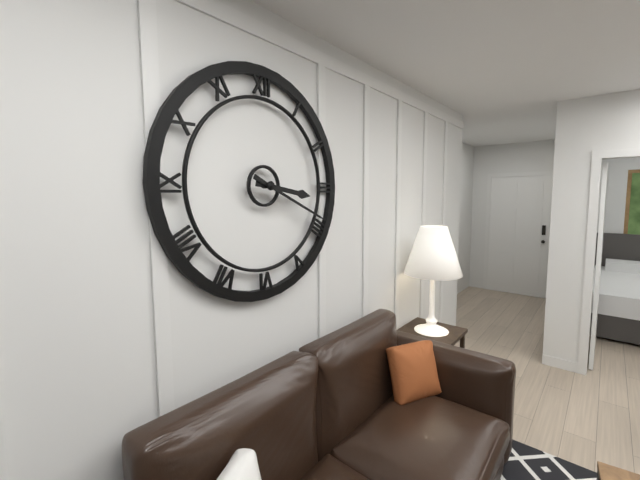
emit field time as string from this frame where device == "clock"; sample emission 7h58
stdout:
3h19
